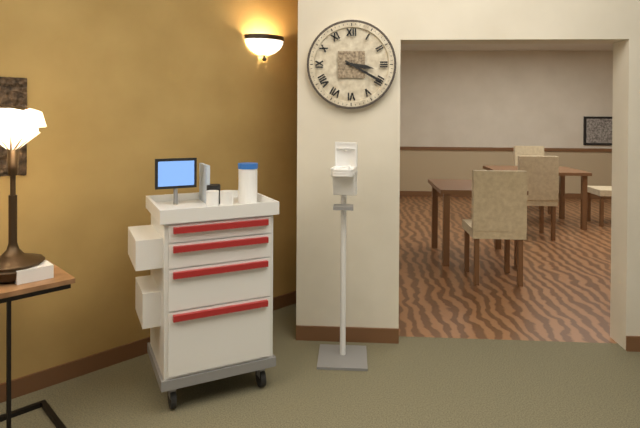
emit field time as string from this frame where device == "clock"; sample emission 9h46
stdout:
3h20
